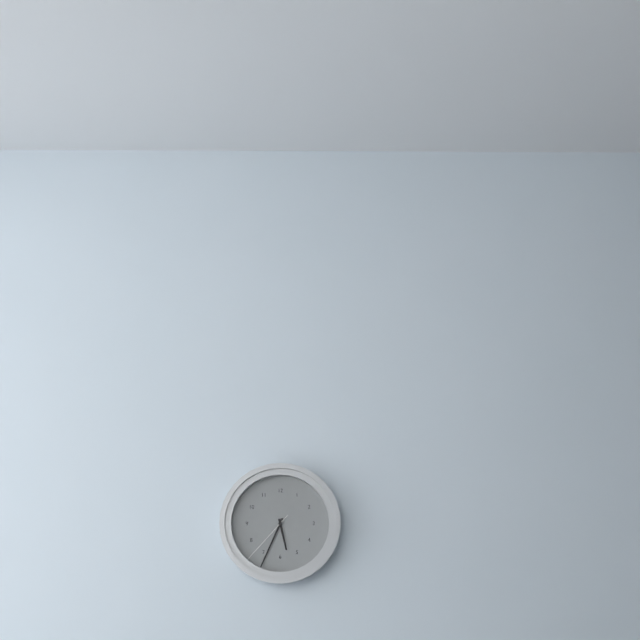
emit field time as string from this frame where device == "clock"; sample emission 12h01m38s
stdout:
5h34m37s
